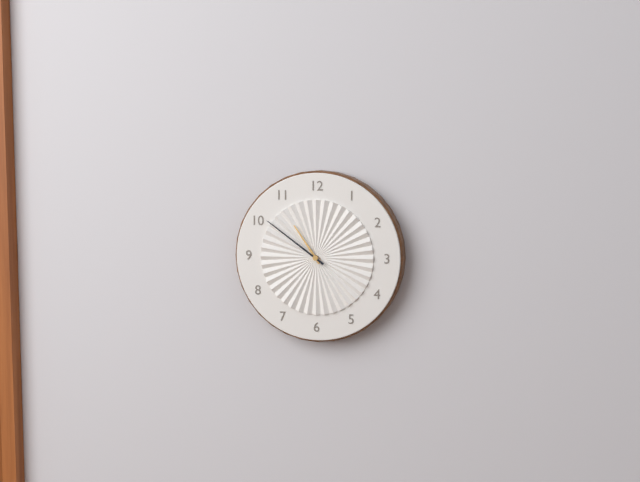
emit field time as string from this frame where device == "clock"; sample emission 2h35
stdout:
10h51
